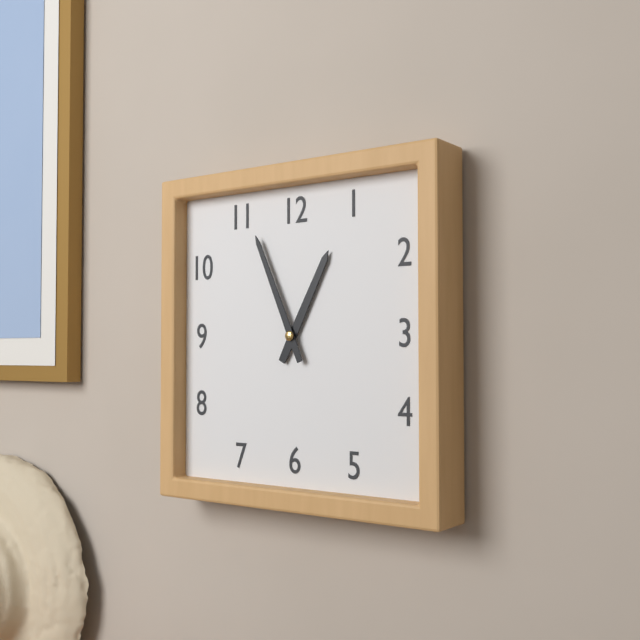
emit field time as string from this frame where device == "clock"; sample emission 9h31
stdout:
12h56
